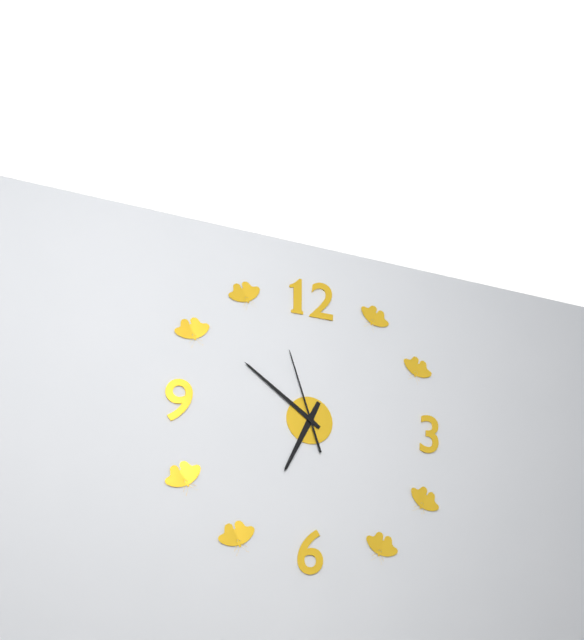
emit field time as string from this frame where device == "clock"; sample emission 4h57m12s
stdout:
6h51m57s
